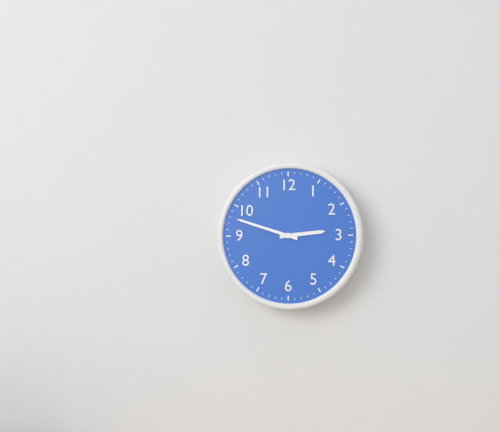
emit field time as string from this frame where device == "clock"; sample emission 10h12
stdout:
2h48
